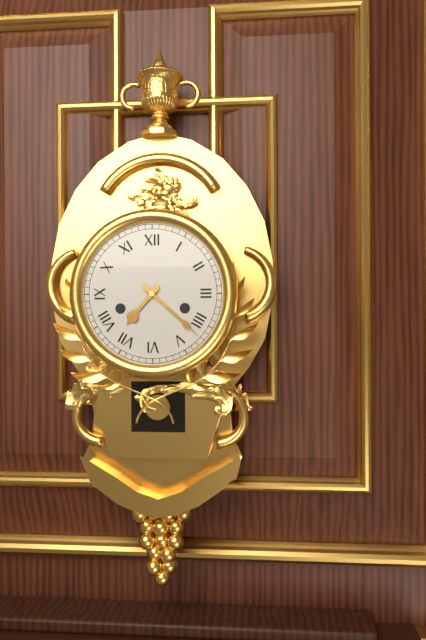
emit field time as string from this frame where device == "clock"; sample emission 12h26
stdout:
7h22
